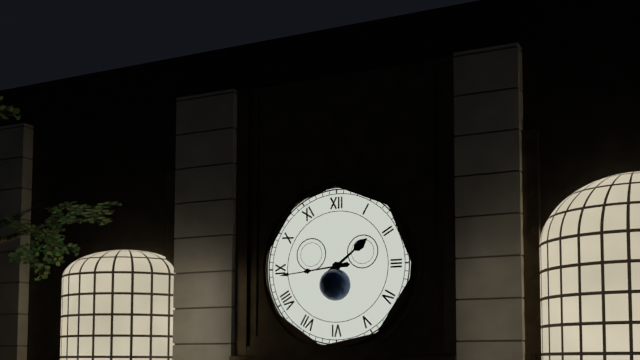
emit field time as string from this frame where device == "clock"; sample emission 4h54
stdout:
1h44
